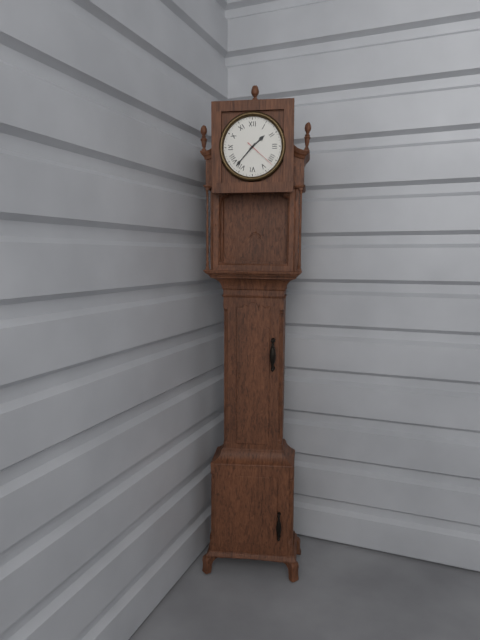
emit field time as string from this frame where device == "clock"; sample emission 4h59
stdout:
1h37
